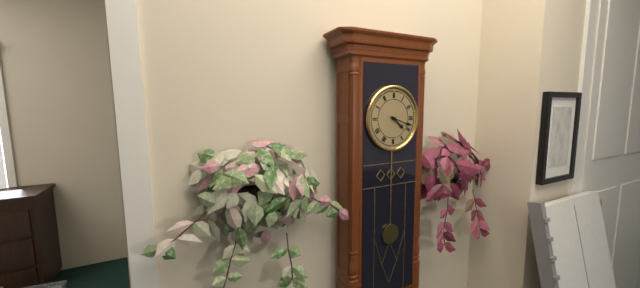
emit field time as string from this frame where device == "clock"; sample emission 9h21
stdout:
4h18
